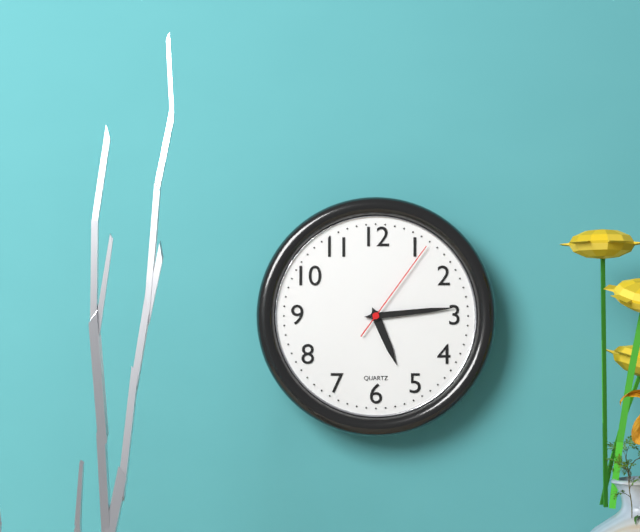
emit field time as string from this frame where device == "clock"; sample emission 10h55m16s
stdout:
5h14m06s
